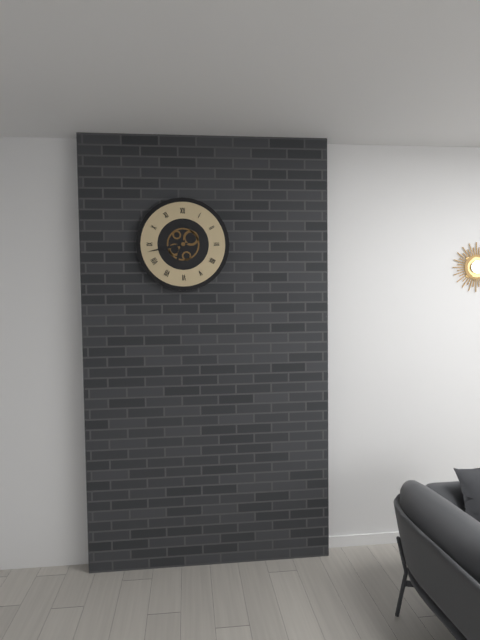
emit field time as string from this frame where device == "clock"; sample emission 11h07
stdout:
6h43
